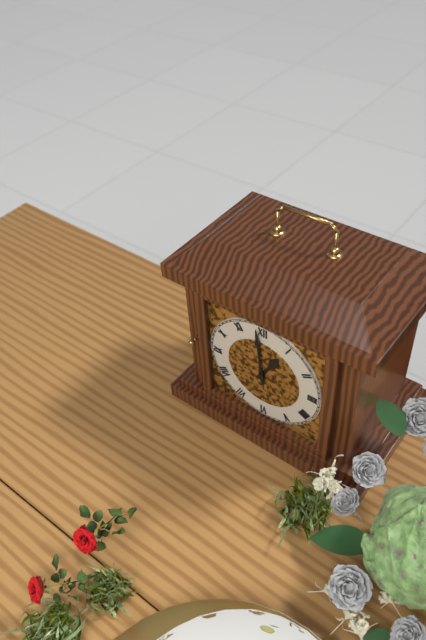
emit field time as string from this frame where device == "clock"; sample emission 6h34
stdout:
12h59
